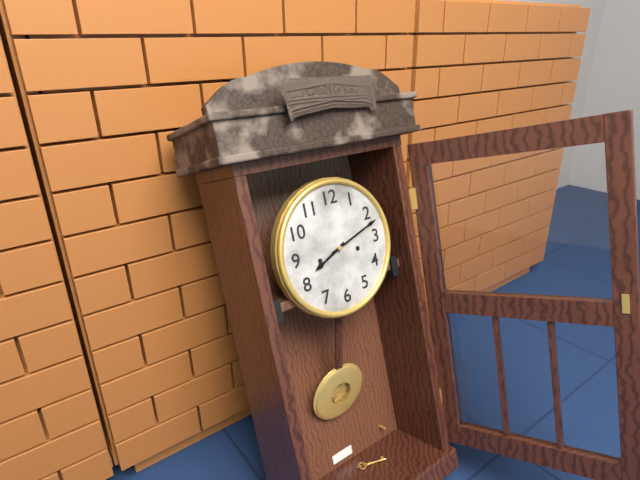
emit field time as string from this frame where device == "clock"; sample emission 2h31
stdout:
8h12
